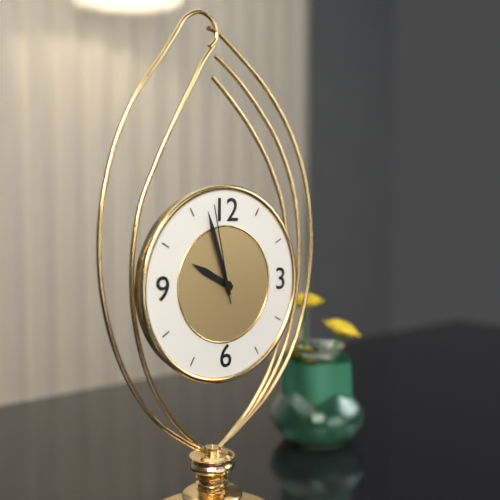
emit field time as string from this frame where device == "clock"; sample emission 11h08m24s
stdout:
9h57m58s
